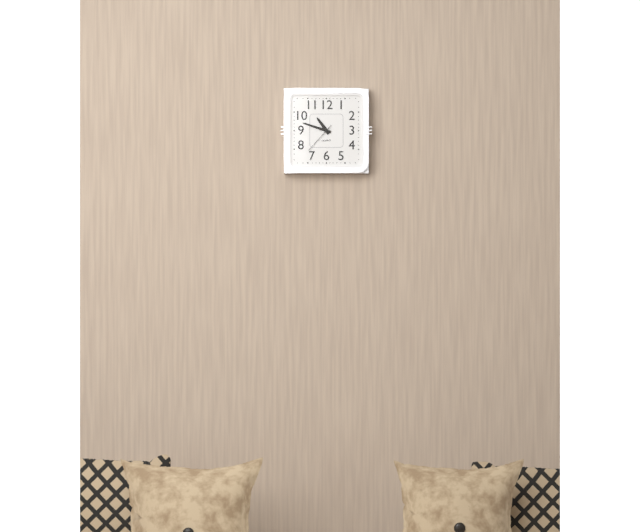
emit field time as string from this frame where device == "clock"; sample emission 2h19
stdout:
10h48
